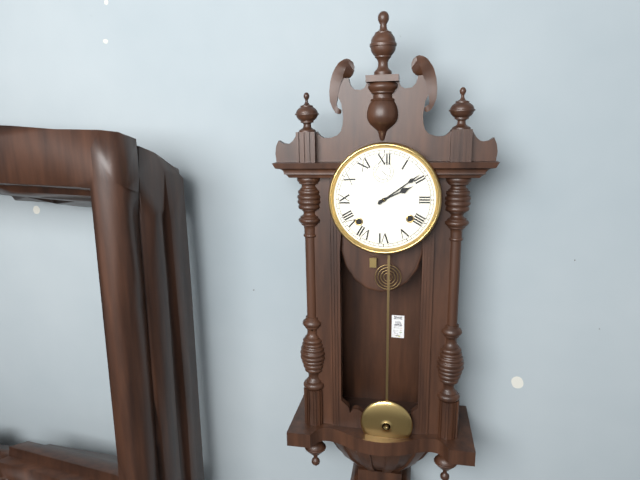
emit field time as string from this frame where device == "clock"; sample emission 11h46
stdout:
2h09
